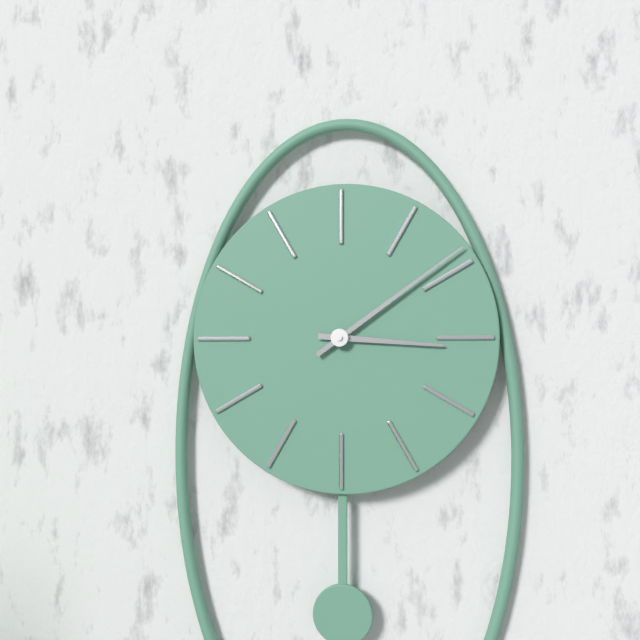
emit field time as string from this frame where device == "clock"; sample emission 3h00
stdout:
3h09
